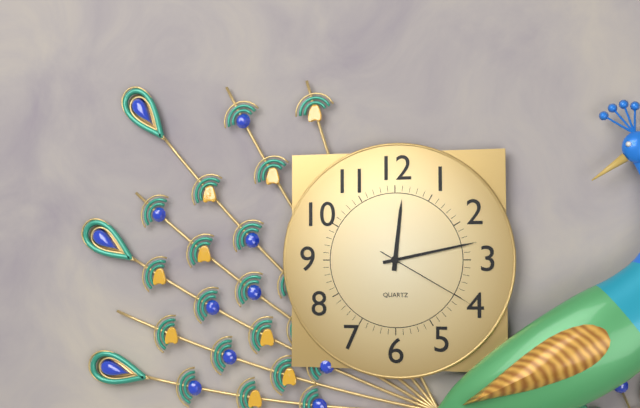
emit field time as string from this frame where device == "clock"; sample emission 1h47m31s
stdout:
12h13m20s
